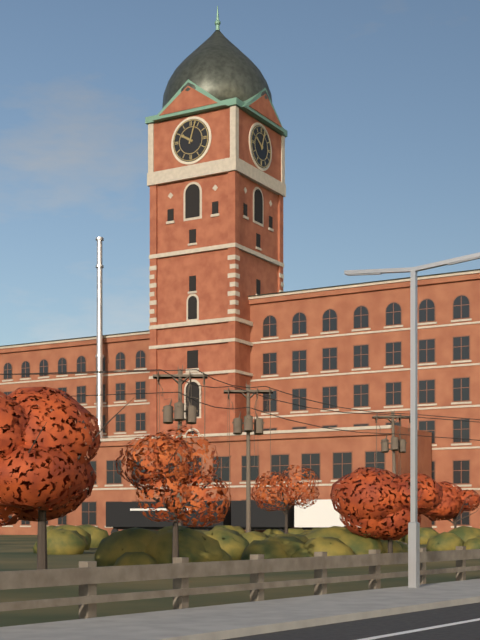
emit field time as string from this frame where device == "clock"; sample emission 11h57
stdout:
10h03
